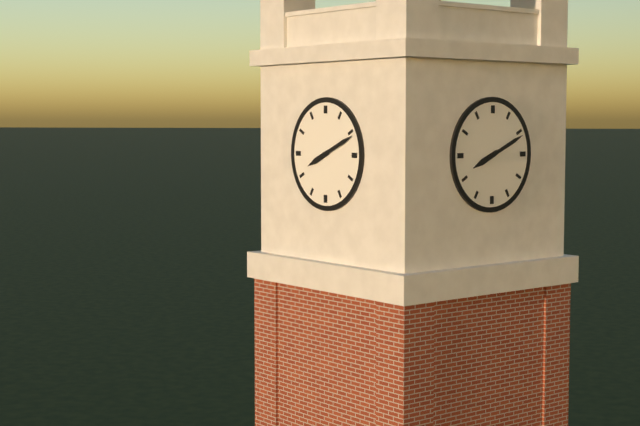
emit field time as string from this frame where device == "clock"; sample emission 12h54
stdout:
8h11
